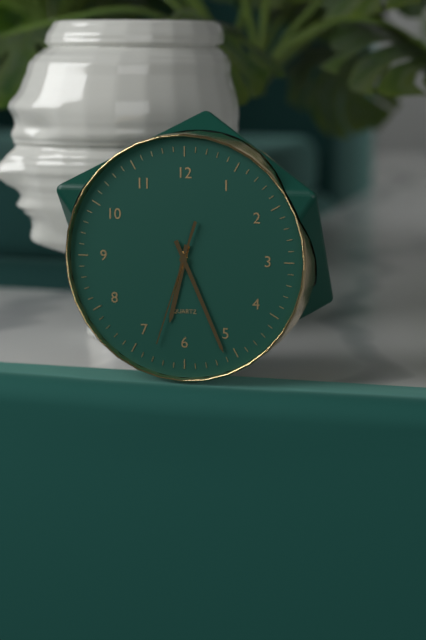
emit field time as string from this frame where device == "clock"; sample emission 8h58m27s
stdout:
6h26m33s
